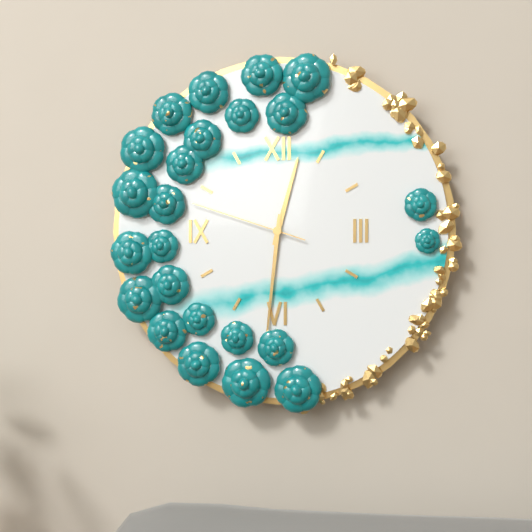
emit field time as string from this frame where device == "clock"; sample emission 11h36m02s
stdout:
12h31m48s
